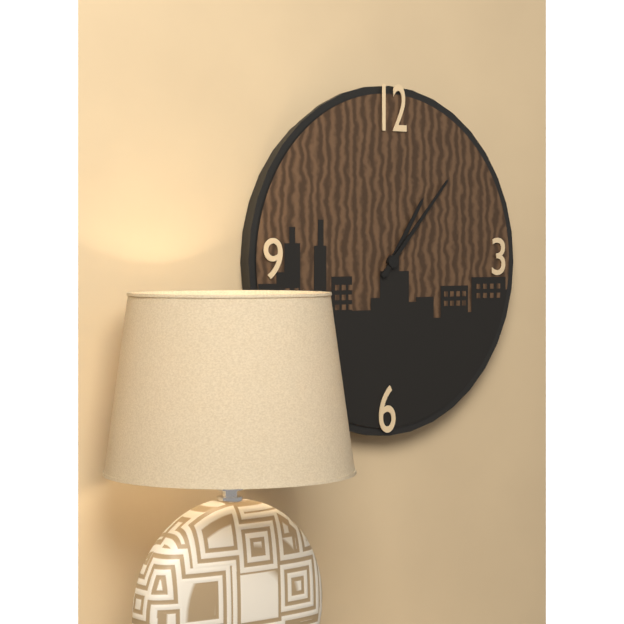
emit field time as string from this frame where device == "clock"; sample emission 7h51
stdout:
1h07
